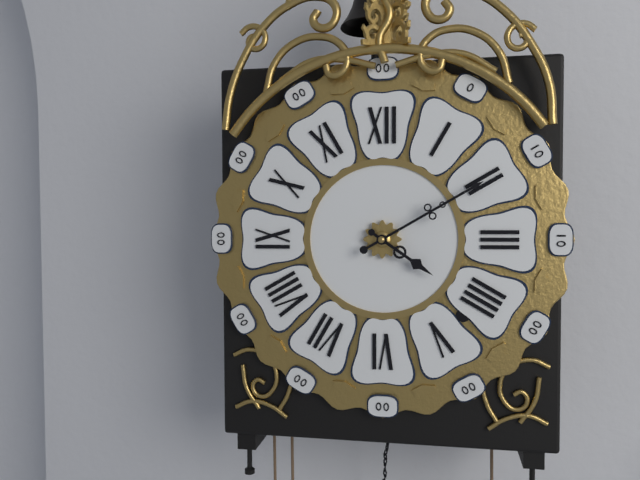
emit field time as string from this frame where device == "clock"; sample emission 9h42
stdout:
4h10
